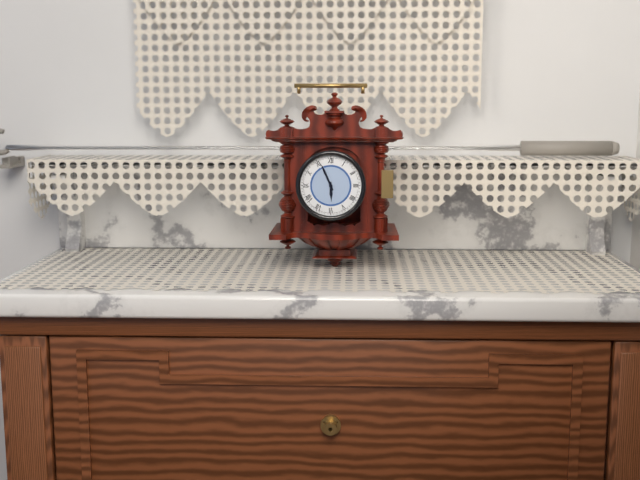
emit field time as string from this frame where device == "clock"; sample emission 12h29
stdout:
5h56
